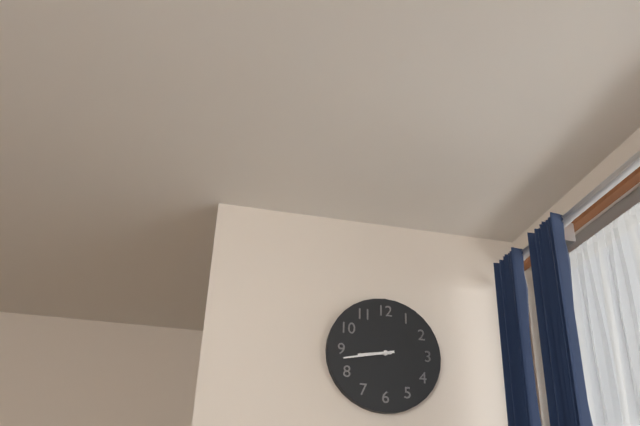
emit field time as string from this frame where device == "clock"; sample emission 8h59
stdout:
8h43
